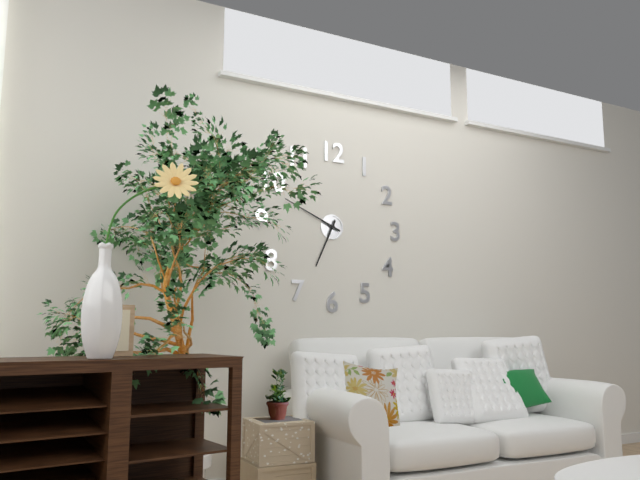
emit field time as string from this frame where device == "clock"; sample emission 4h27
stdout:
6h49
